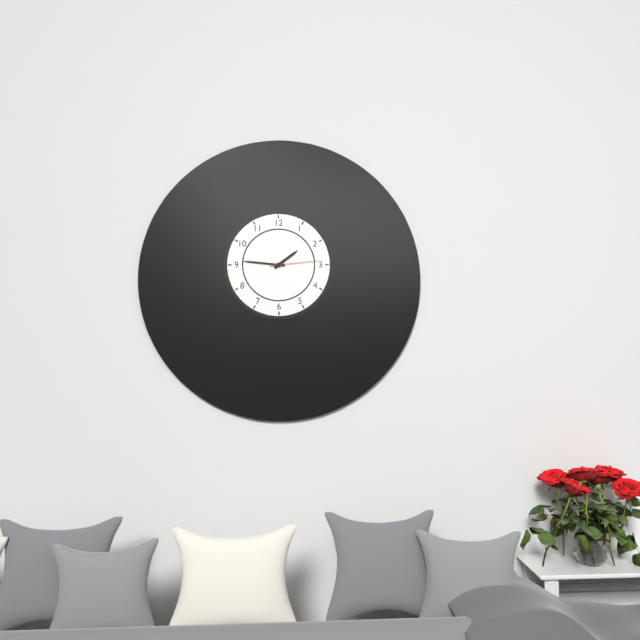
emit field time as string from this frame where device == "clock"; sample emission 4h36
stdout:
1h46
